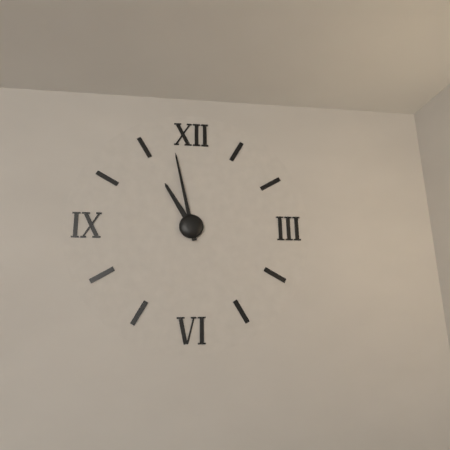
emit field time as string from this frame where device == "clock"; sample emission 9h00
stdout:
10h58
